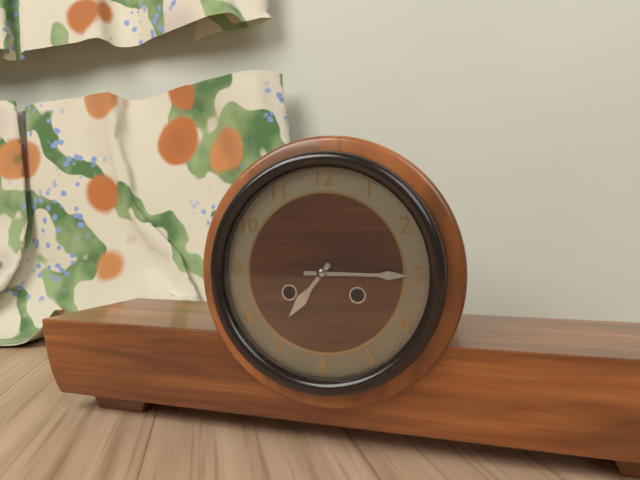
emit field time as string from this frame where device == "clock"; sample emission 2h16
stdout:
7h15
